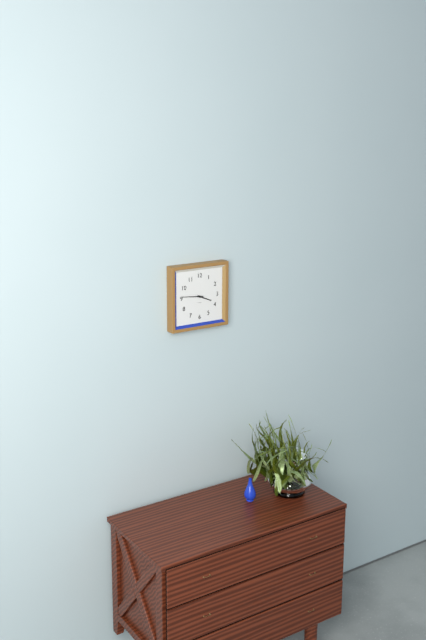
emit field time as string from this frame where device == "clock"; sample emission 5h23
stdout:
3h46
